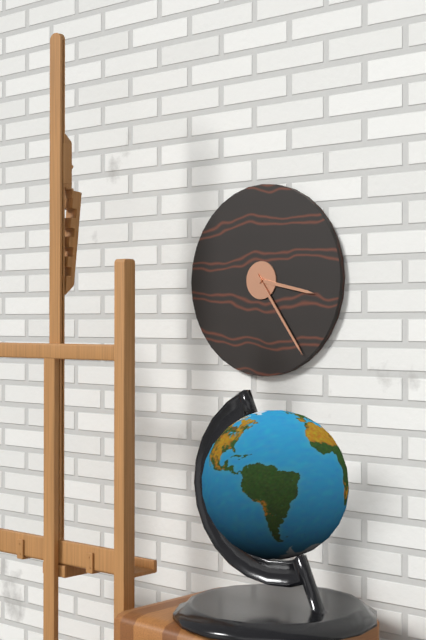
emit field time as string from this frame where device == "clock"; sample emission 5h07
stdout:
3h24
